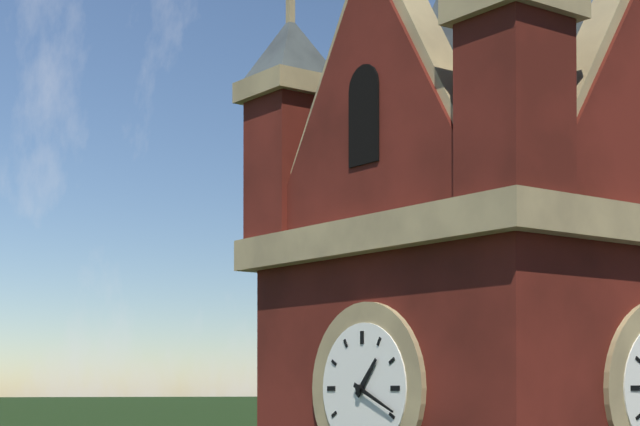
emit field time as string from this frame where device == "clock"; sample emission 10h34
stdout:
1h19
